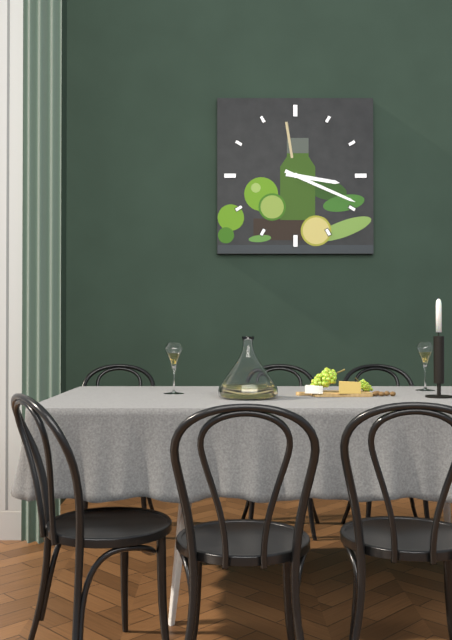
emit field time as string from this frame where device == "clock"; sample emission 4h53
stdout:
3h19
